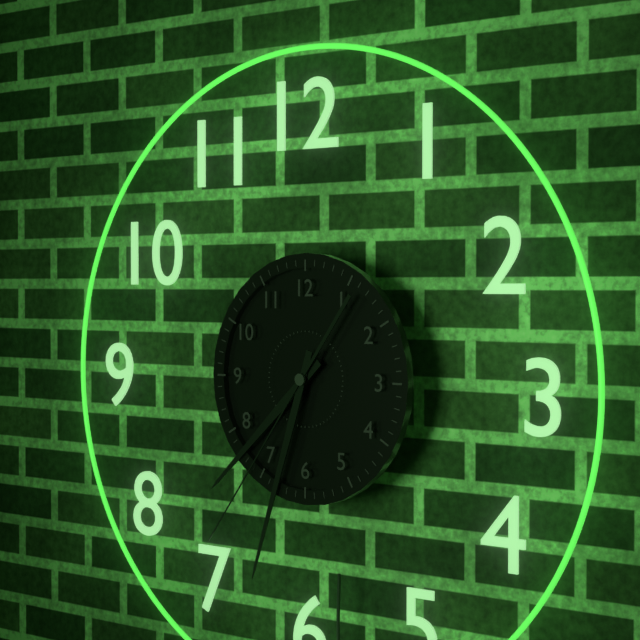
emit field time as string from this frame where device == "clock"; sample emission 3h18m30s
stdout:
7h33m36s
